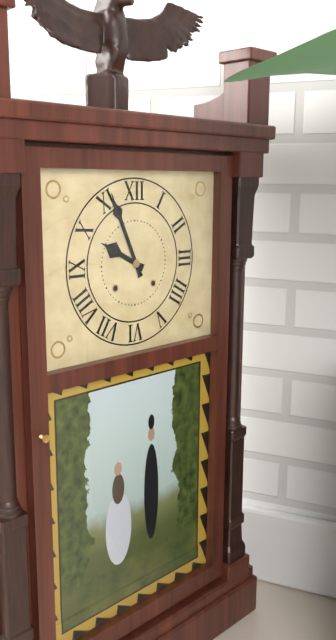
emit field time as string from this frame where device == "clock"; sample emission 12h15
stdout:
9h56
